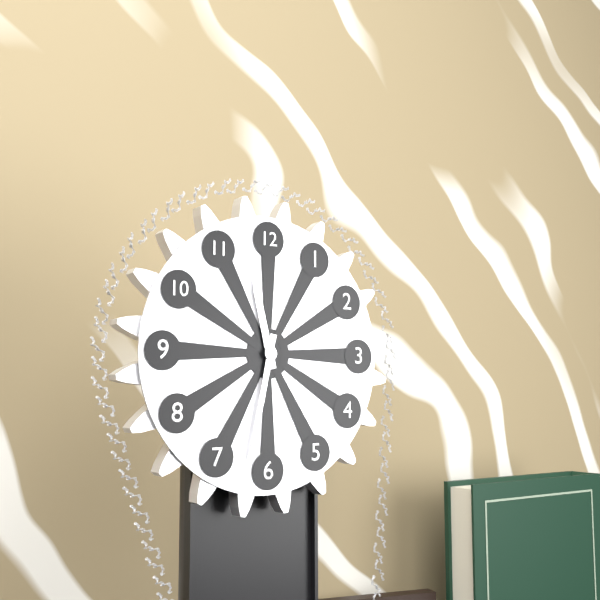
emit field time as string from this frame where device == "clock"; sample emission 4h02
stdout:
11h32
